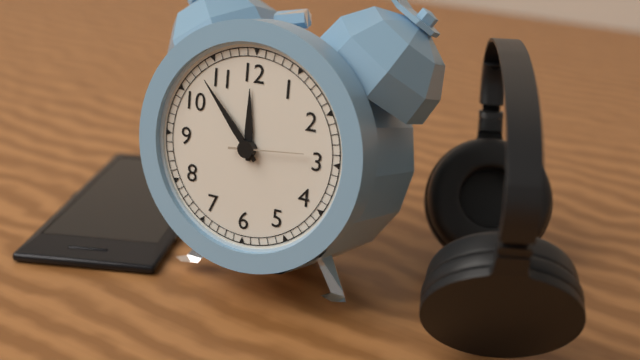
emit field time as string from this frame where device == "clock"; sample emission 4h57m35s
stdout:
11h53m14s
